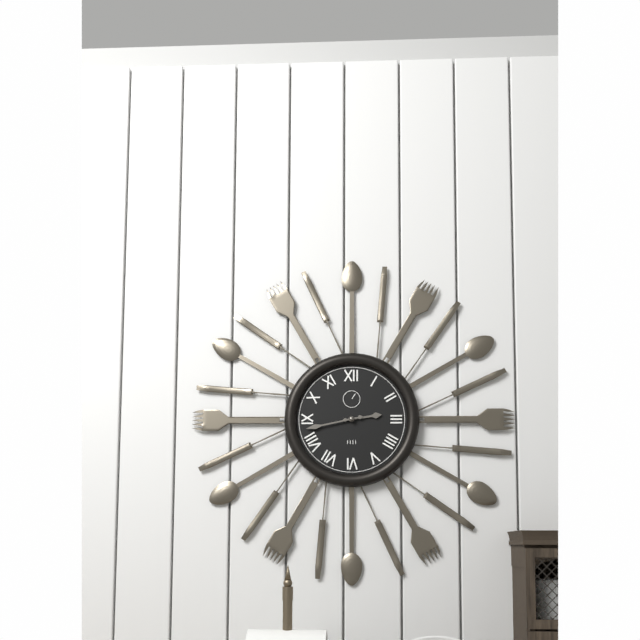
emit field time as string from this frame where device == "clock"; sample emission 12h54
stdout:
2h43
